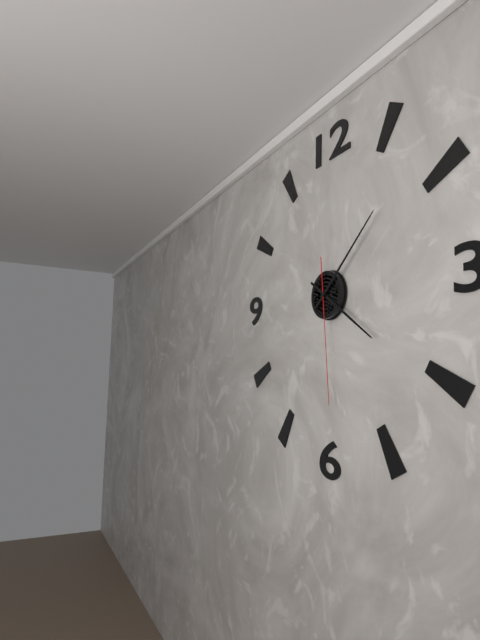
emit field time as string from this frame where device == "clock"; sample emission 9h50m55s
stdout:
4h08m29s
